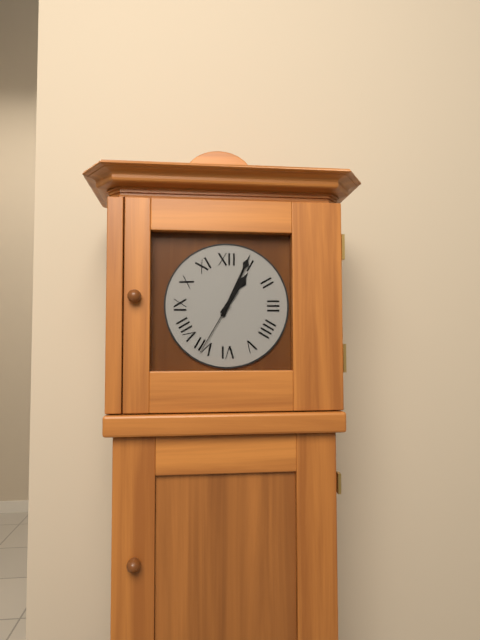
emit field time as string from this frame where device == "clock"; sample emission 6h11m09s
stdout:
1h04m35s
